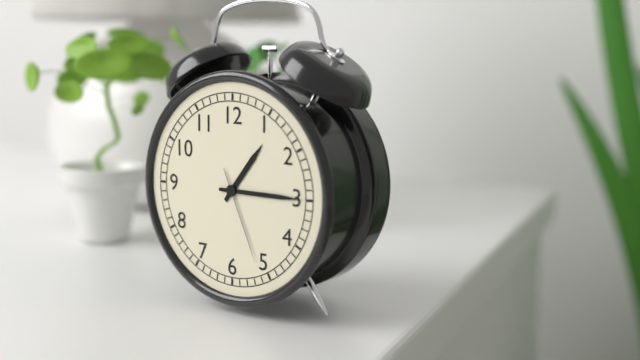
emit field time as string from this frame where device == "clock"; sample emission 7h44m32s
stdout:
1h15m26s
